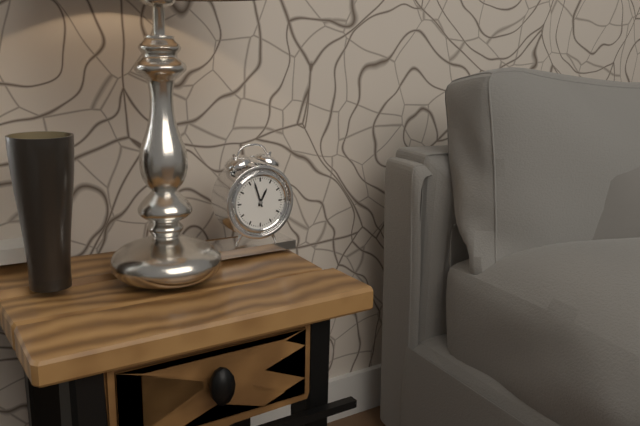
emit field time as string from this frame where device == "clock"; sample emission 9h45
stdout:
12h57
